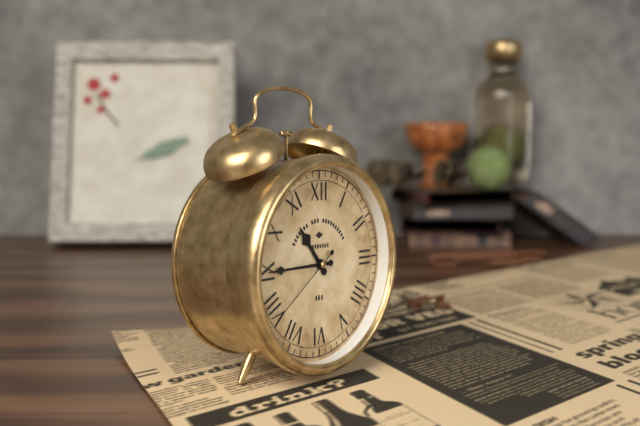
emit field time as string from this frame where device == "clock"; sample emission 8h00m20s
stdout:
10h45m39s
